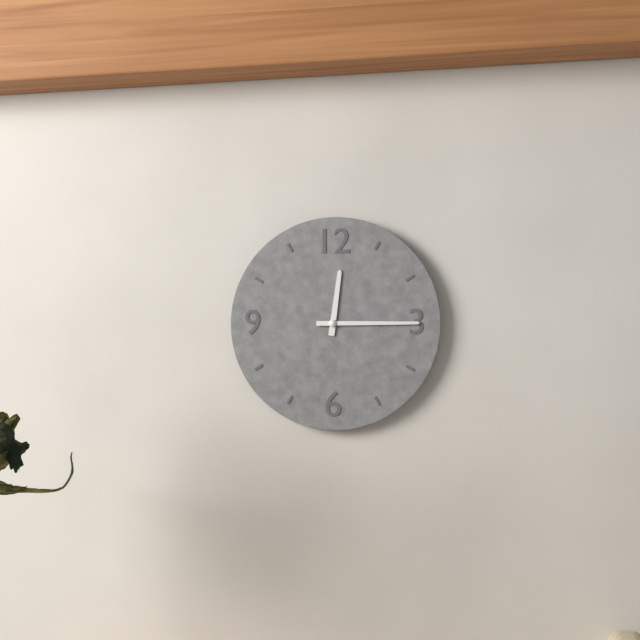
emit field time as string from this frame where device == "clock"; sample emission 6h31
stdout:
12h15
